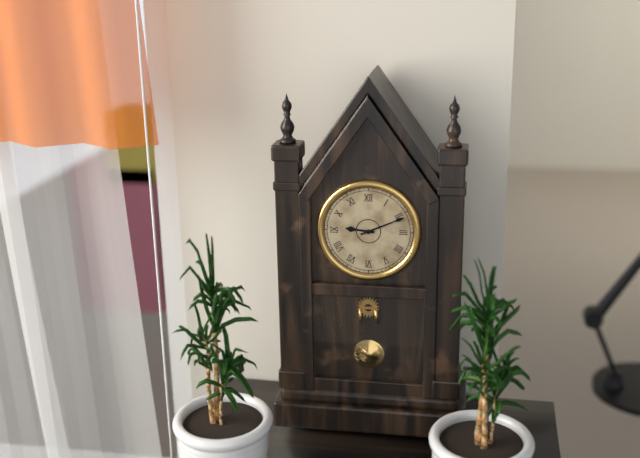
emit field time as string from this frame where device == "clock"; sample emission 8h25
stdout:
9h11
